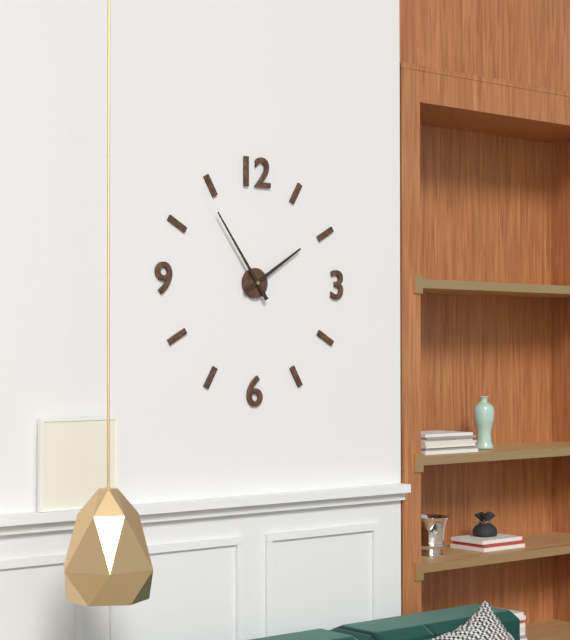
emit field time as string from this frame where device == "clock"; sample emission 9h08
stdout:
1h54
